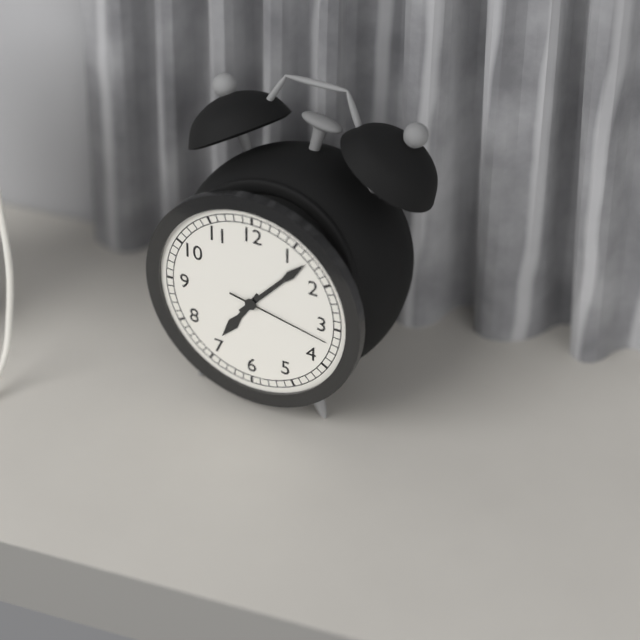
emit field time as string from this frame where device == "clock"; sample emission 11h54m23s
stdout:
7h07m17s
